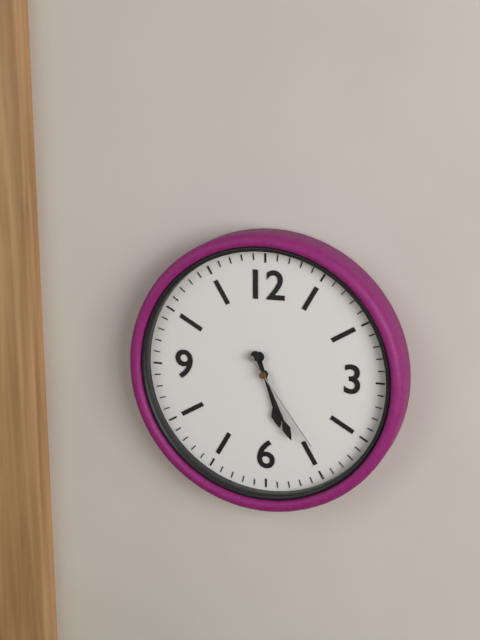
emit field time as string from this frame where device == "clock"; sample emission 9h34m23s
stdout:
5h26m24s
